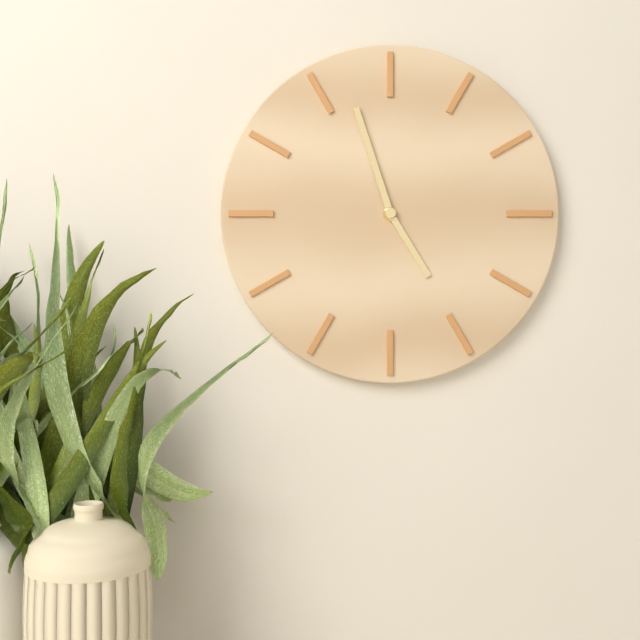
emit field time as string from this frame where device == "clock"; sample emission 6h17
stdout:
4h57
